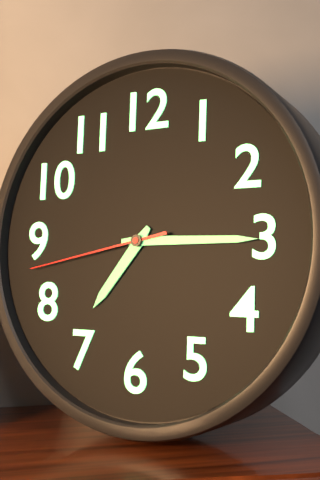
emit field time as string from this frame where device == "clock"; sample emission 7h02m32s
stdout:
7h15m43s
